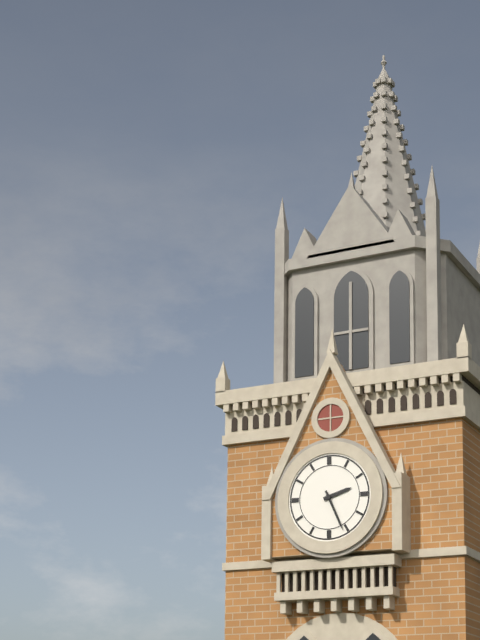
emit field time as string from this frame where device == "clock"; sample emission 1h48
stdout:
2h26
